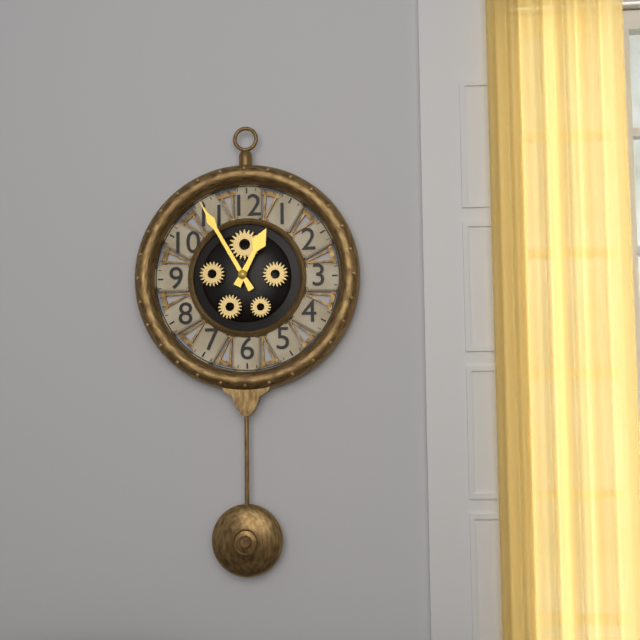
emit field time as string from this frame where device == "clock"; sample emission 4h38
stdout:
12h55
